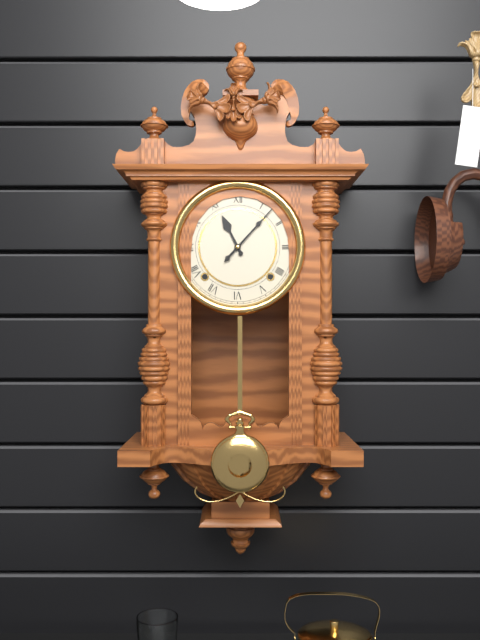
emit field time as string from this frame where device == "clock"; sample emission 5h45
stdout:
11h07
